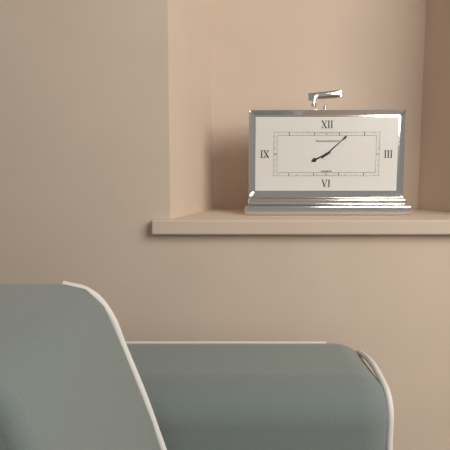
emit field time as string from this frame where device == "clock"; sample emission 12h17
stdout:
8h08
